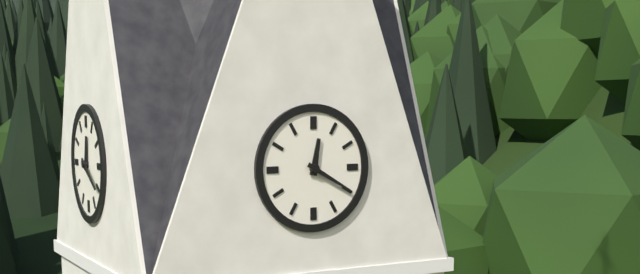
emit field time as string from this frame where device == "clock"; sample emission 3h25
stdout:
12h20
